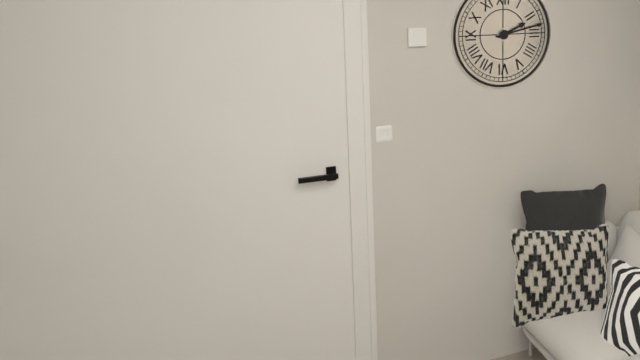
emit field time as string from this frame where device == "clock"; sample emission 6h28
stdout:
2h13
